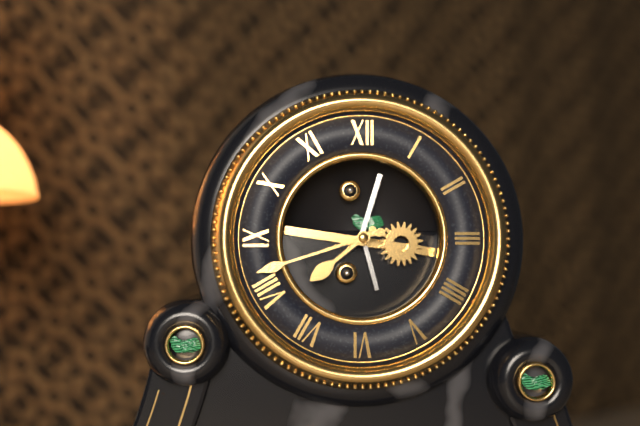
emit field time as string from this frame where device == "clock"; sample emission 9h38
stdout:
7h42
